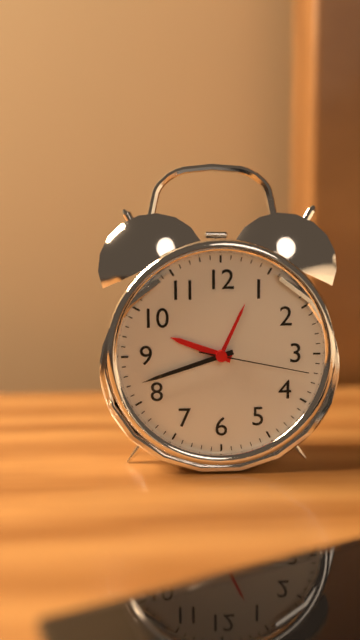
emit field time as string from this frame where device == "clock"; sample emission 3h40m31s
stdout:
9h42m17s
